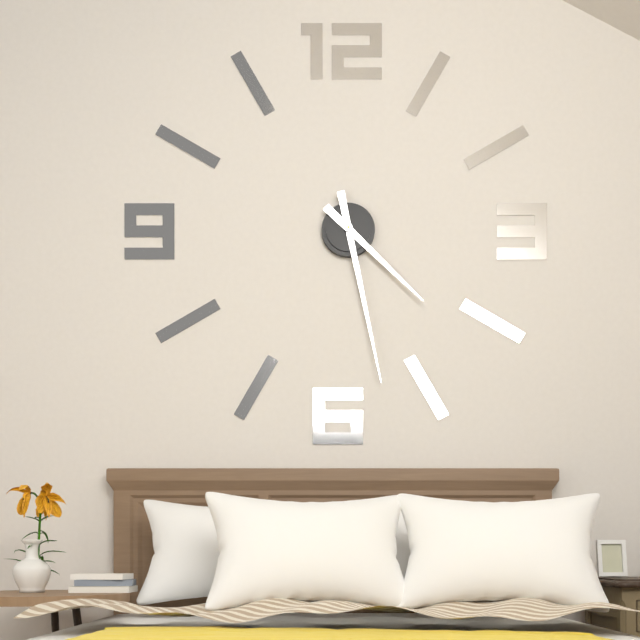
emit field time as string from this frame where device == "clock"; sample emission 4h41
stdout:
4h28
